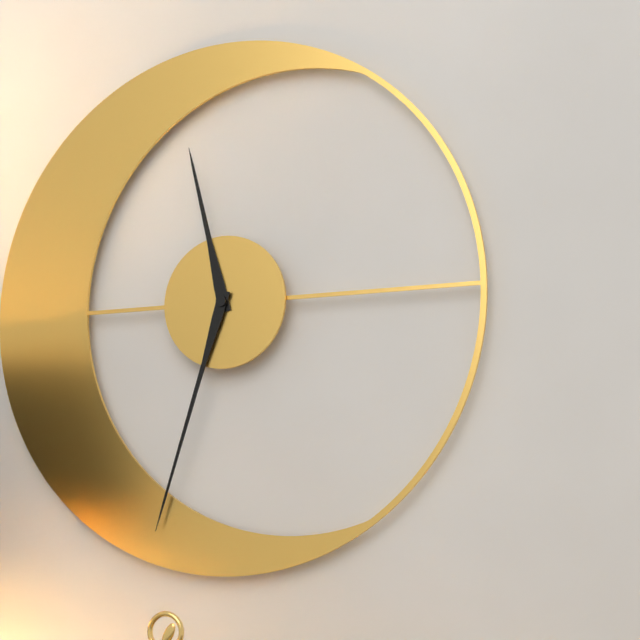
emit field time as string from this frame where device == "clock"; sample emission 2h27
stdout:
11h33
